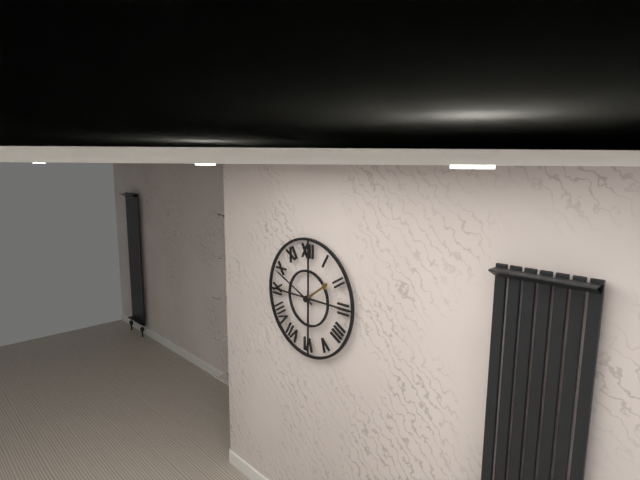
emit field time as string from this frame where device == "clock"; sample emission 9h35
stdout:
1h49
